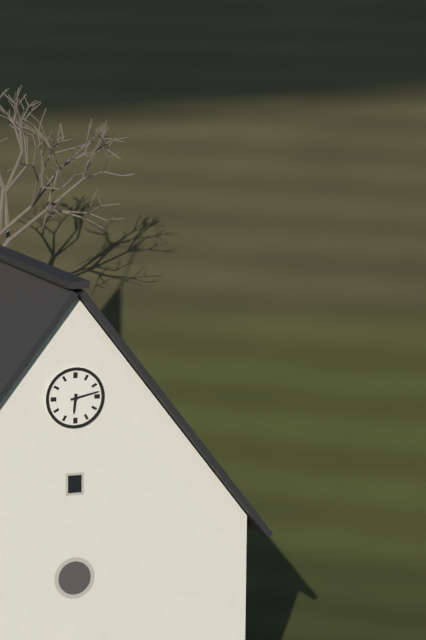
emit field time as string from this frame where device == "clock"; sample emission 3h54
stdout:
6h13
